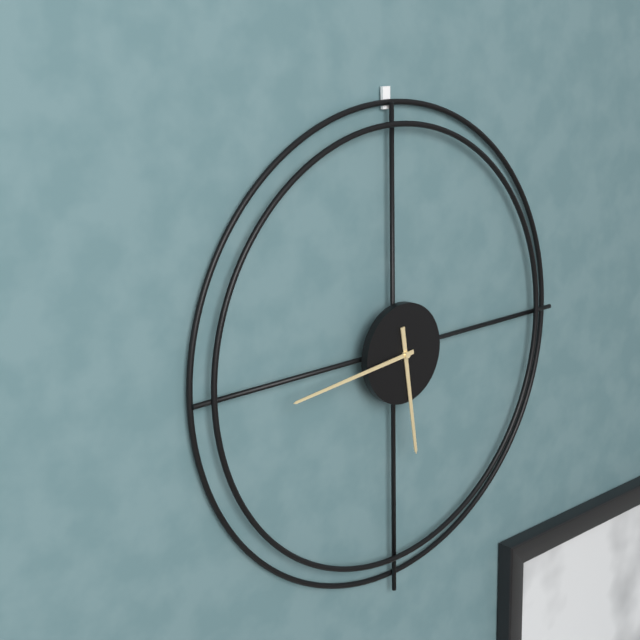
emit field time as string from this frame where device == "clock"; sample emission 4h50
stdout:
5h44
